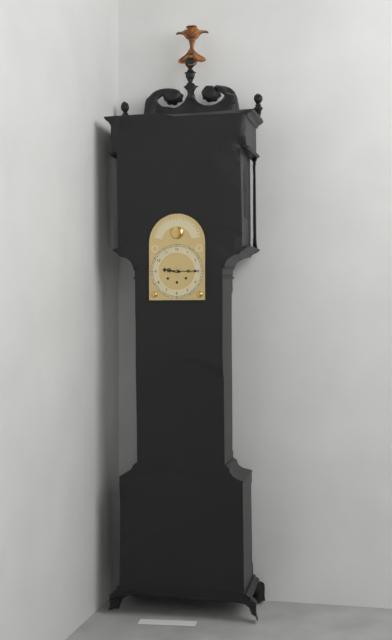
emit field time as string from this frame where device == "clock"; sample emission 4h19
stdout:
9h15
